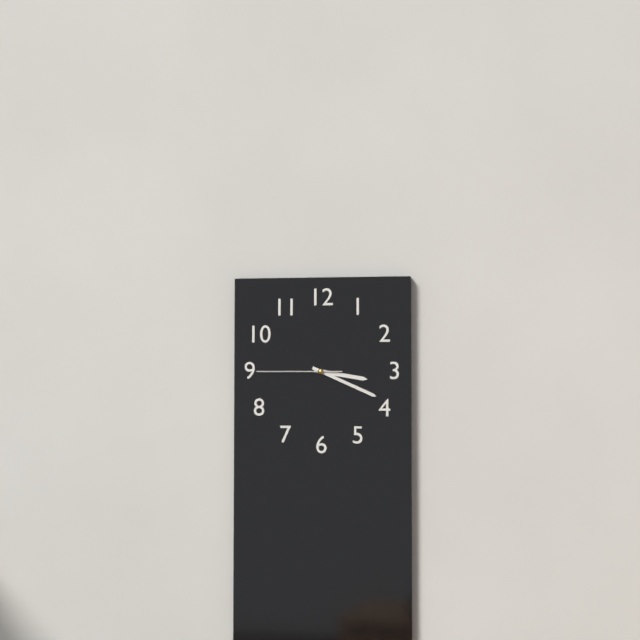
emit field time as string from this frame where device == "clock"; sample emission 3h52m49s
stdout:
3h19m45s
